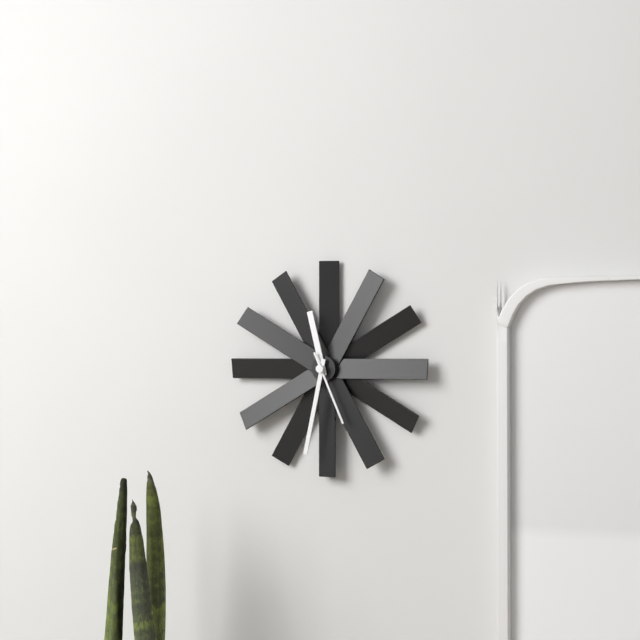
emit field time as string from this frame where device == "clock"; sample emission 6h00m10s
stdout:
11h32m26s
